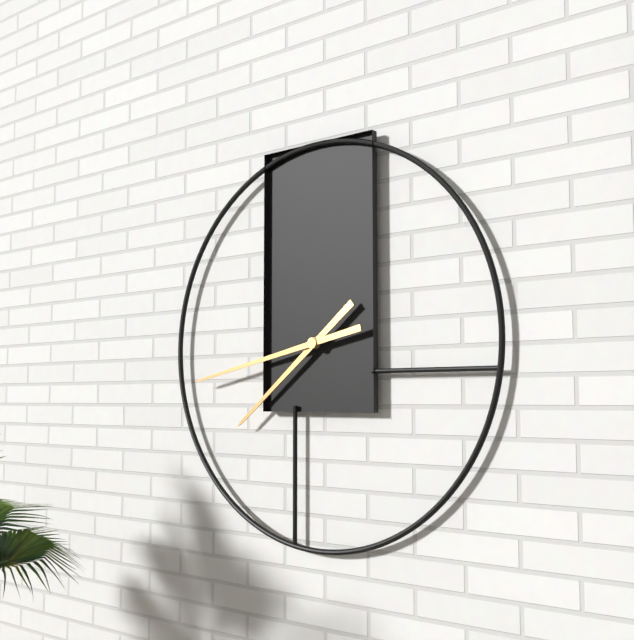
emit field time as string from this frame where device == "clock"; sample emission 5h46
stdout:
7h43
